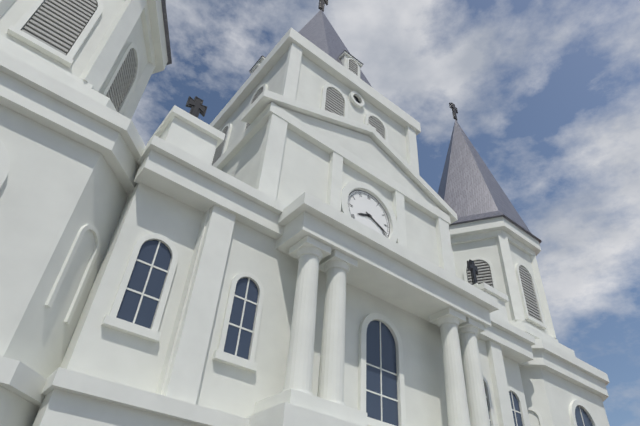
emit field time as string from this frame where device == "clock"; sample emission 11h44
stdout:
8h19
